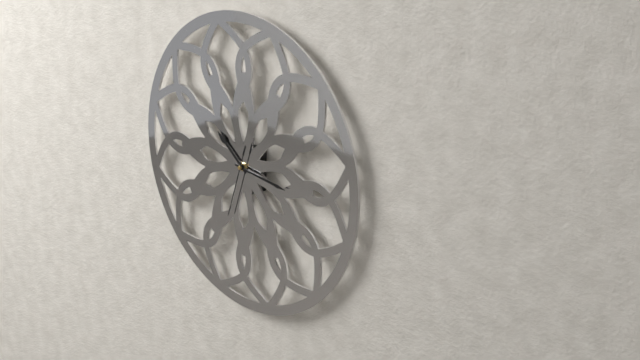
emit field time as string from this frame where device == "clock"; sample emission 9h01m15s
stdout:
10h16m33s
